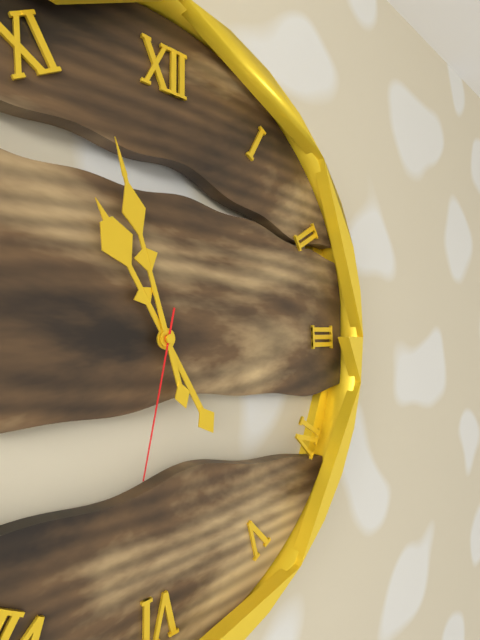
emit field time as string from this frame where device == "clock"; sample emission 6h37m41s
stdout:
10h57m32s
